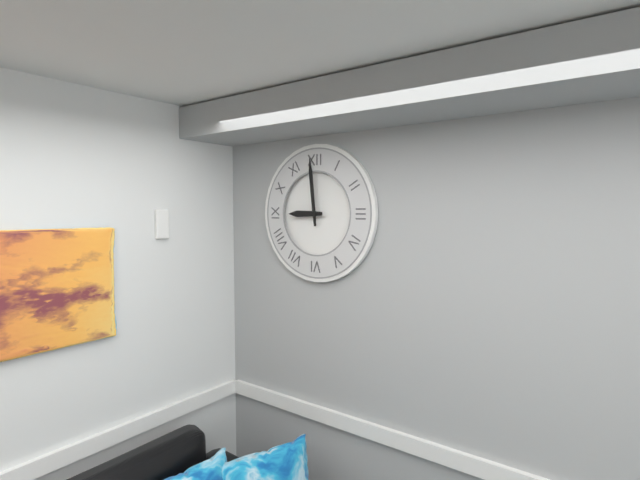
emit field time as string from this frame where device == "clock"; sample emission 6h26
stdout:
8h59
